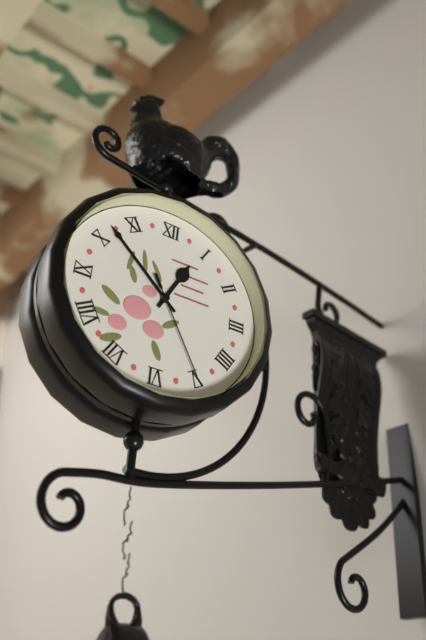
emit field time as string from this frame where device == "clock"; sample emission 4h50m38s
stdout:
12h52m25s
